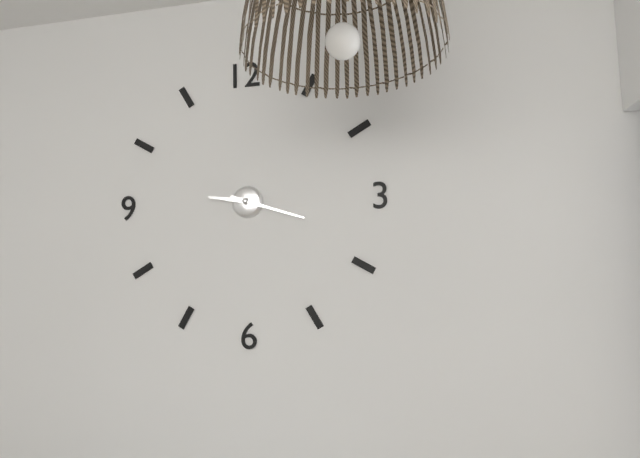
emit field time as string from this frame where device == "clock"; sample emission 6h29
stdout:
9h18
